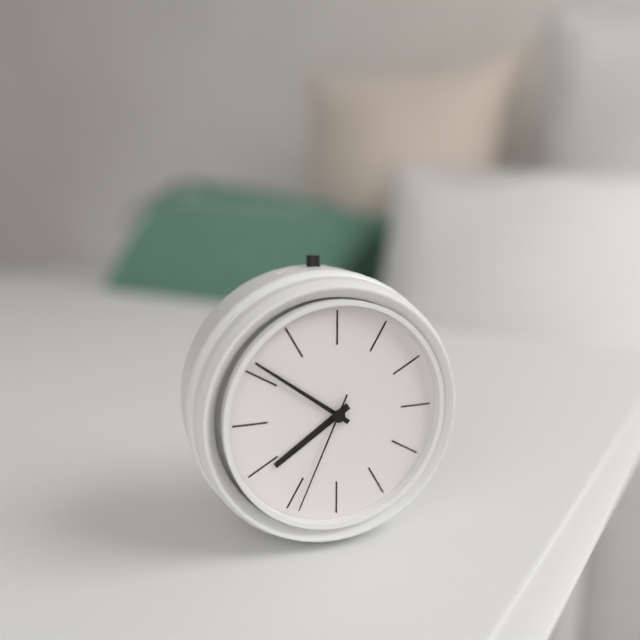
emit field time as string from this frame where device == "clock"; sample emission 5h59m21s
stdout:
7h51m34s
